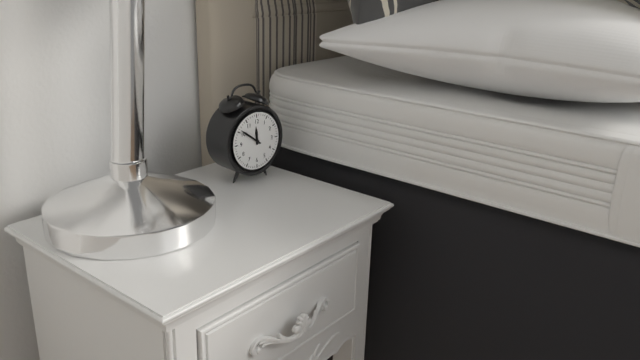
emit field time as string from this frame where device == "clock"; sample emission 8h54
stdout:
11h51
